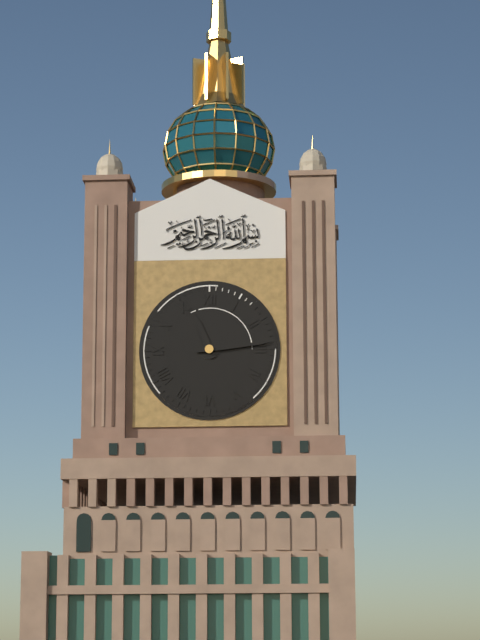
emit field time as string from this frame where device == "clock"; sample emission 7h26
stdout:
11h14
